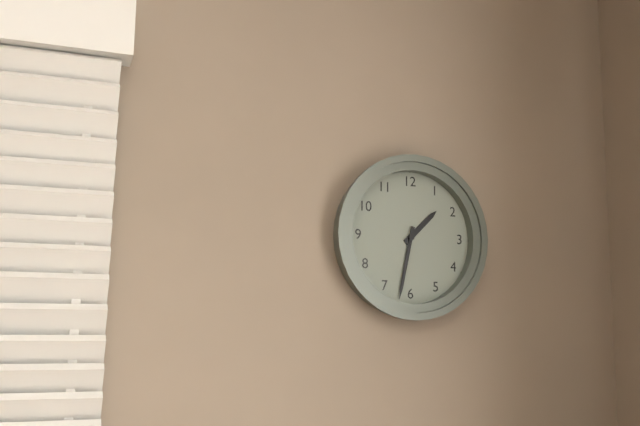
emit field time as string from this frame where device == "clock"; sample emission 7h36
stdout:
1h32
